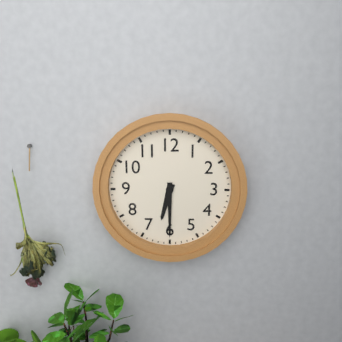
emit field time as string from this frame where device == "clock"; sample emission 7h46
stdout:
6h30
